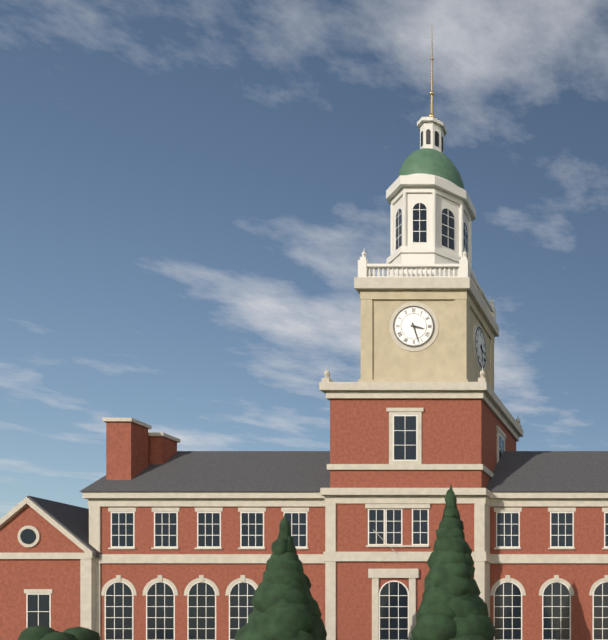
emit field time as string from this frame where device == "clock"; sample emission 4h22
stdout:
3h27
